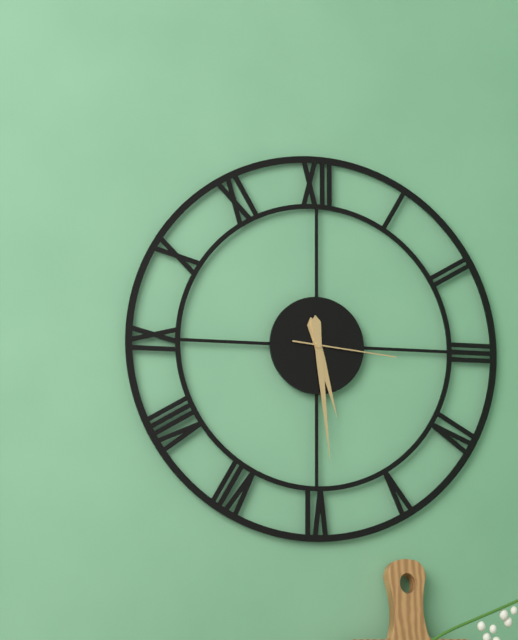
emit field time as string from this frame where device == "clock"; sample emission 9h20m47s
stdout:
5h29m16s
